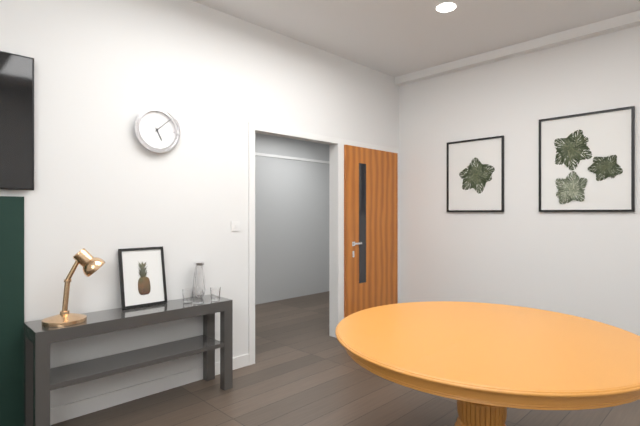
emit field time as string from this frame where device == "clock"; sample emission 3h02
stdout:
5h08
